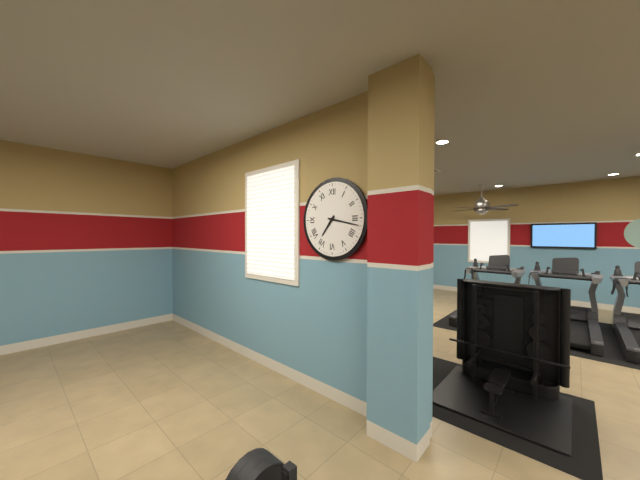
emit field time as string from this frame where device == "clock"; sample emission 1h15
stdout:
7h17
